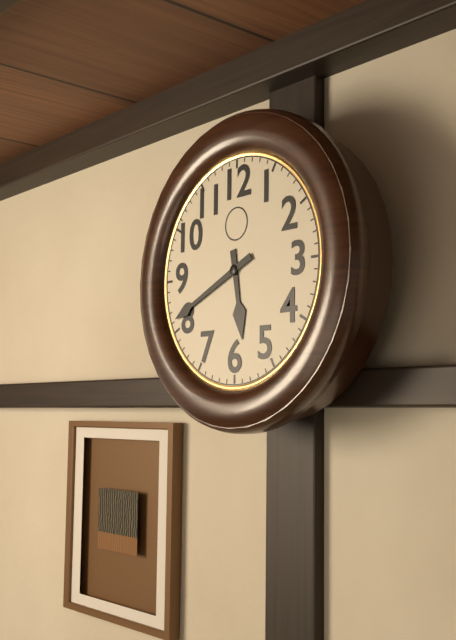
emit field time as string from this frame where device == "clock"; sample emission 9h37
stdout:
5h41
